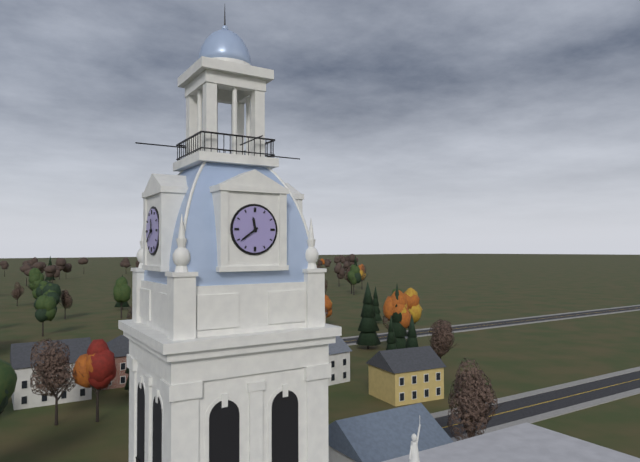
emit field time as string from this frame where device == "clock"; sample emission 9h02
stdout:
11h39
